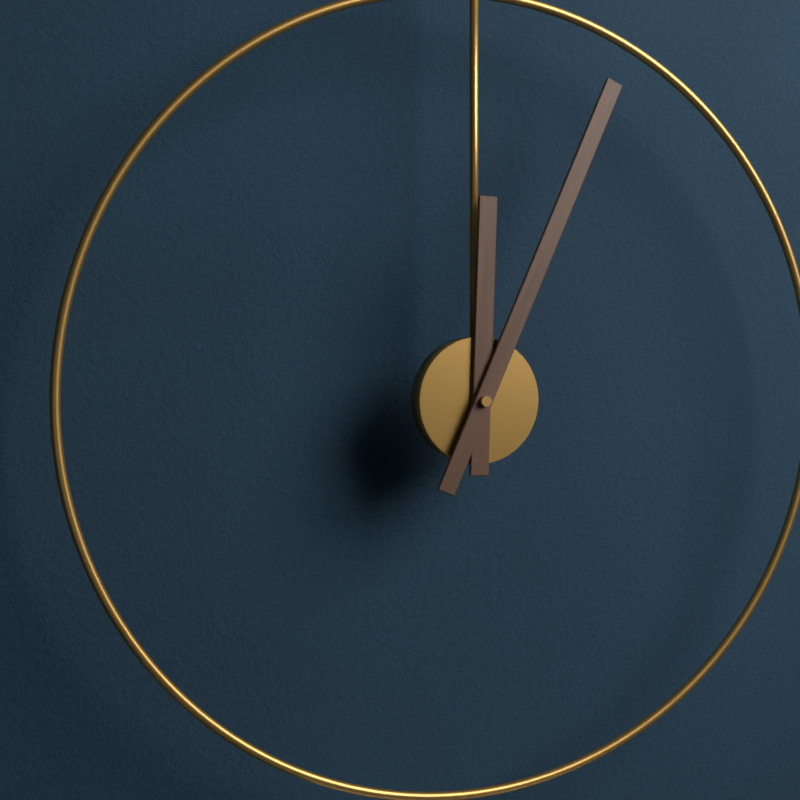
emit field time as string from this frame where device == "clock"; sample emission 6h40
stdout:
12h04
